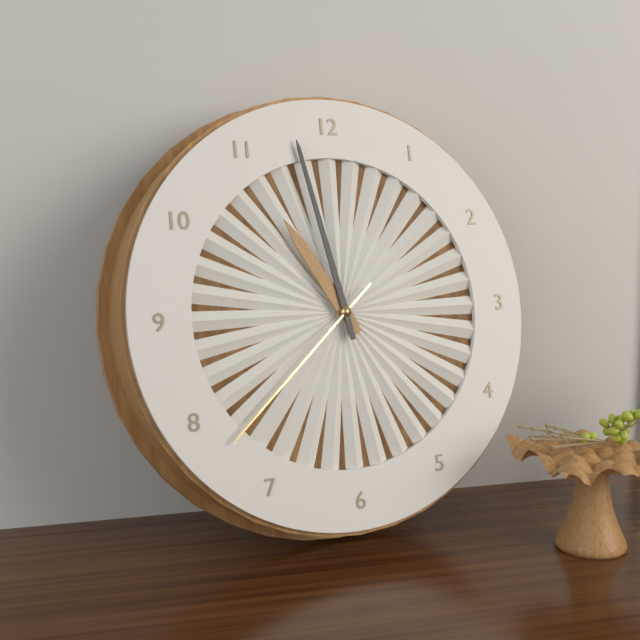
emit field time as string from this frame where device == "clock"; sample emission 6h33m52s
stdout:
10h58m38s
